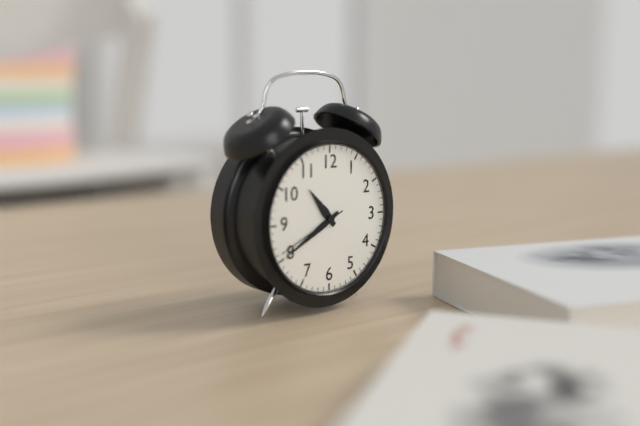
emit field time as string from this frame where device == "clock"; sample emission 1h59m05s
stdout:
10h40m41s
